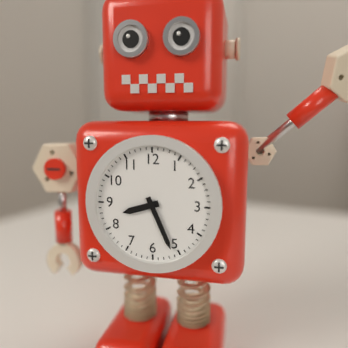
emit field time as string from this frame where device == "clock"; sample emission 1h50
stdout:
8h26
